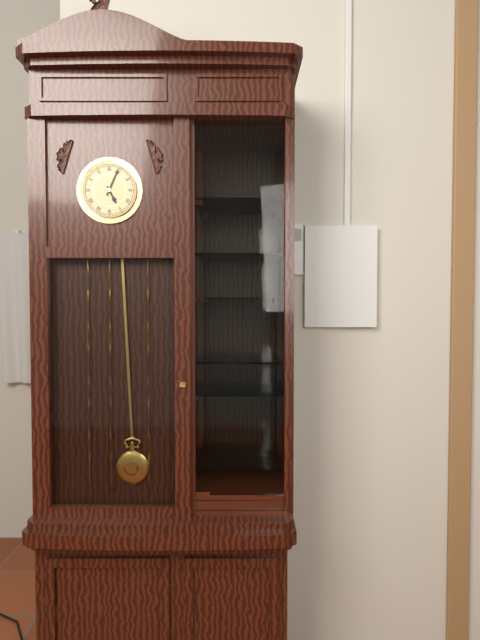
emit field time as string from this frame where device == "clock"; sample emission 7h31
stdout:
5h04
